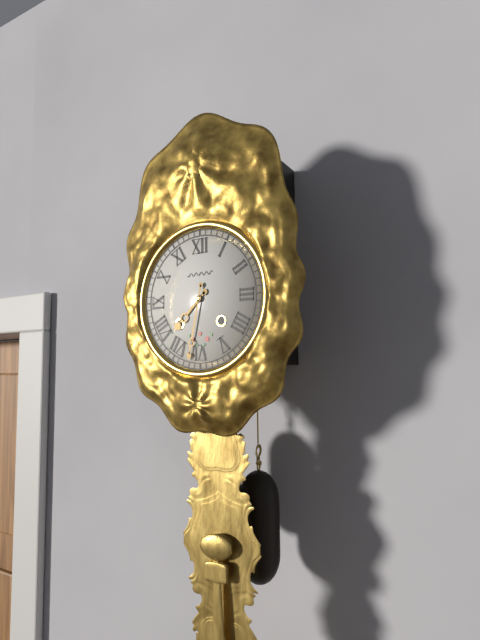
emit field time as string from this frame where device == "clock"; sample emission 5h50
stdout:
7h32
